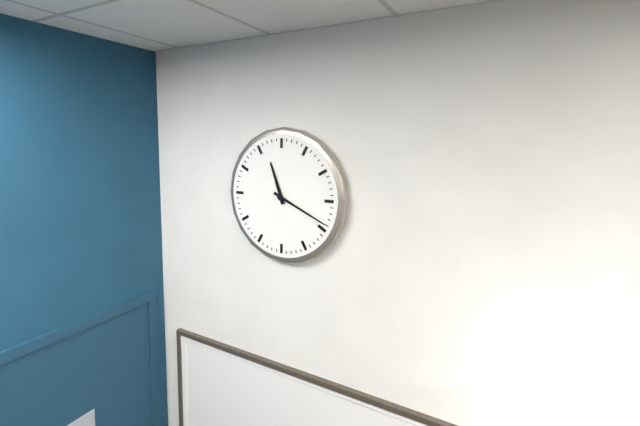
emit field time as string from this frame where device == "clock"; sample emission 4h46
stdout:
11h19
